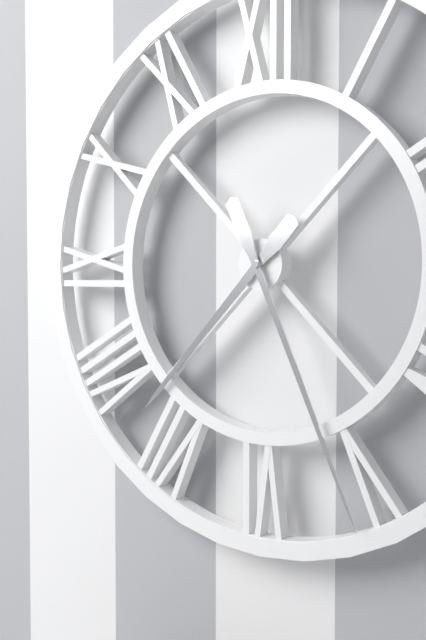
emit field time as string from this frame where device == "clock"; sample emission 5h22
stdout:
7h26
